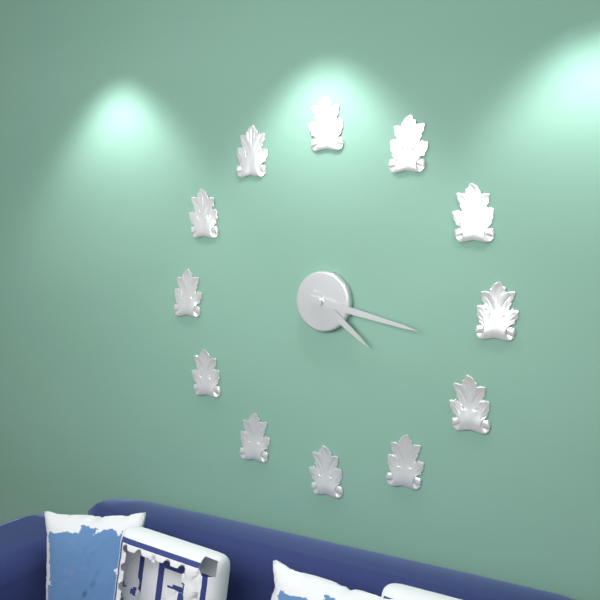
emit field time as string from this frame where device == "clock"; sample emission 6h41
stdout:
4h17
